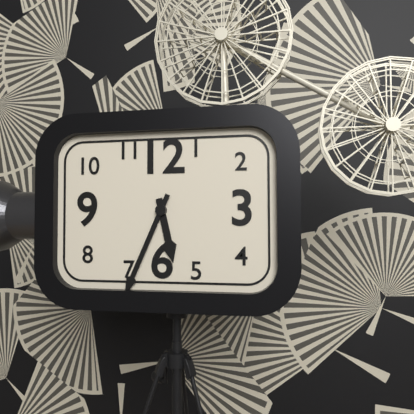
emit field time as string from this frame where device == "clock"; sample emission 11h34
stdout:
5h34
